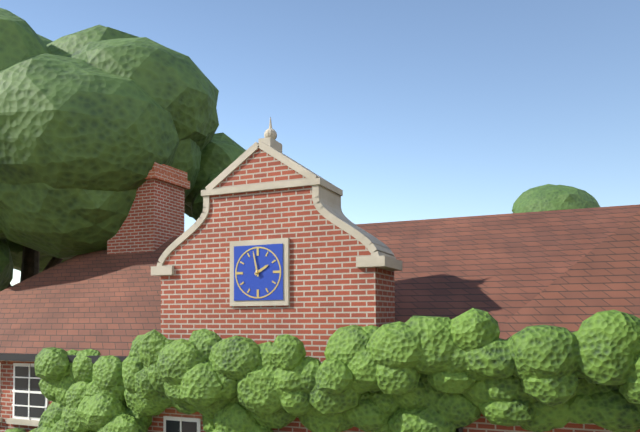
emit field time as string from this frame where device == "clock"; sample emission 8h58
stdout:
1h58
